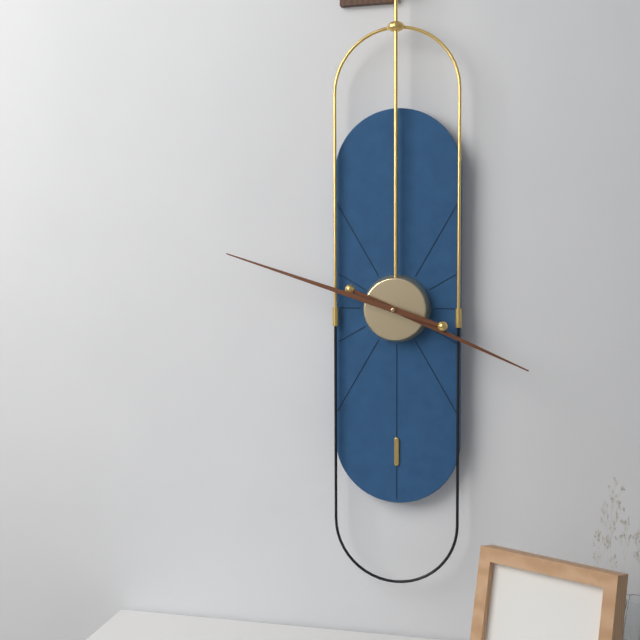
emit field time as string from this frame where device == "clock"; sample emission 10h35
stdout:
3h48
